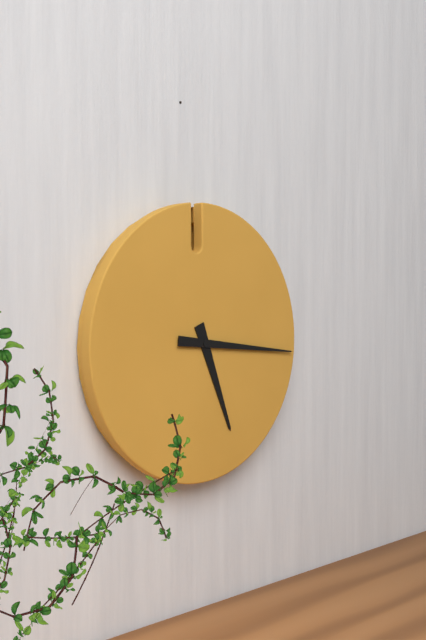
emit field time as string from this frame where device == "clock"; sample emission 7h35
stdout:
5h16
